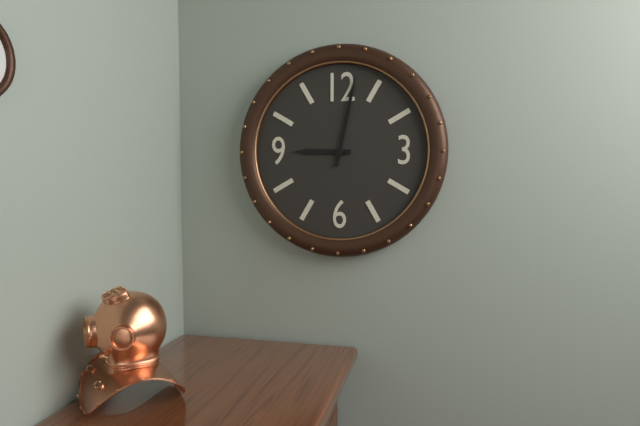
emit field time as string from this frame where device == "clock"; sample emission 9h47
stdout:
9h02
